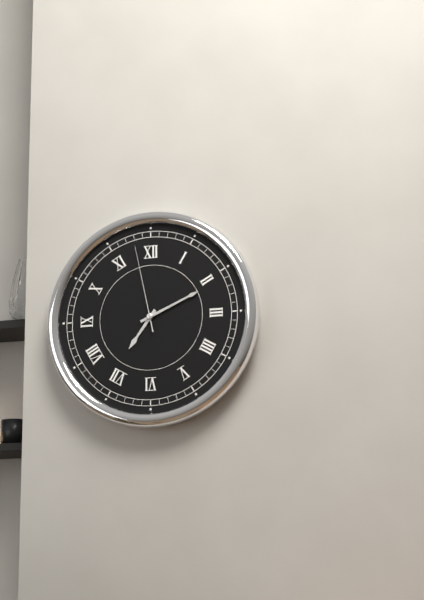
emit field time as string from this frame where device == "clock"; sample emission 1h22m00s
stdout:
7h11m58s
